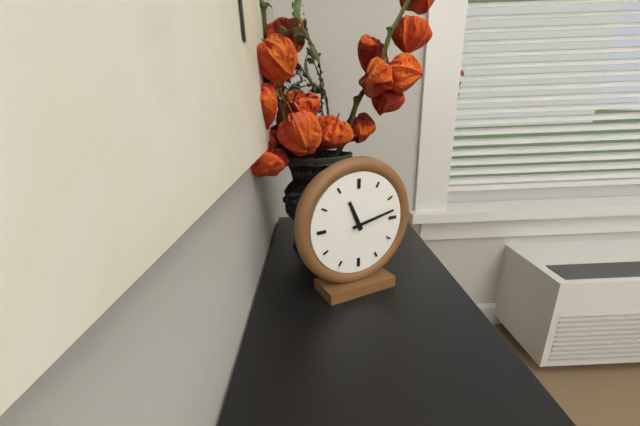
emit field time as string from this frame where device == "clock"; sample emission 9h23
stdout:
11h13
